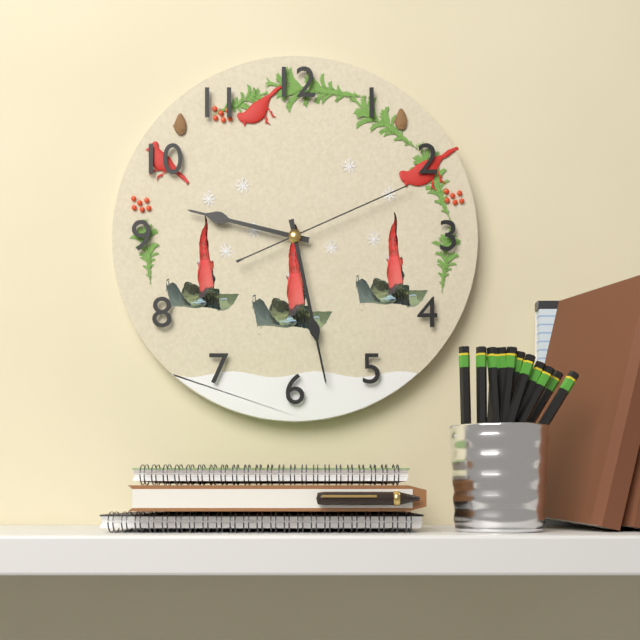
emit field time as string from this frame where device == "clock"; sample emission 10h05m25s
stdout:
9h28m11s
